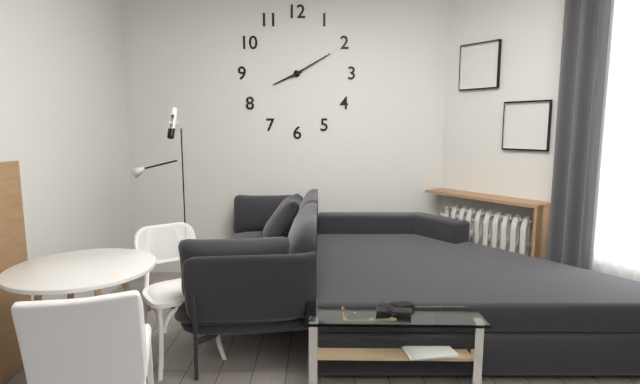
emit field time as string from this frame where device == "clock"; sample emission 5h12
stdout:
8h10
